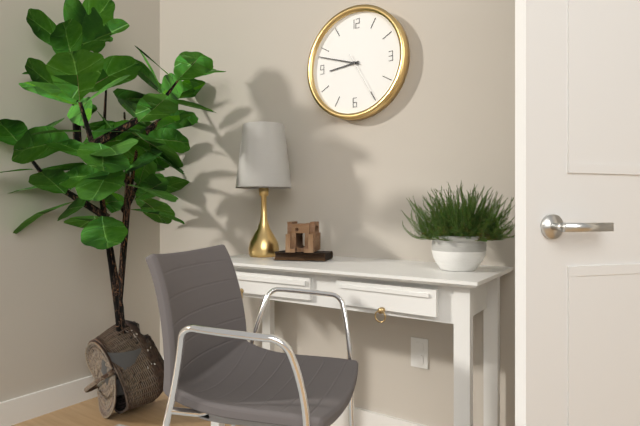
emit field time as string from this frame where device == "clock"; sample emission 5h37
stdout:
8h48
